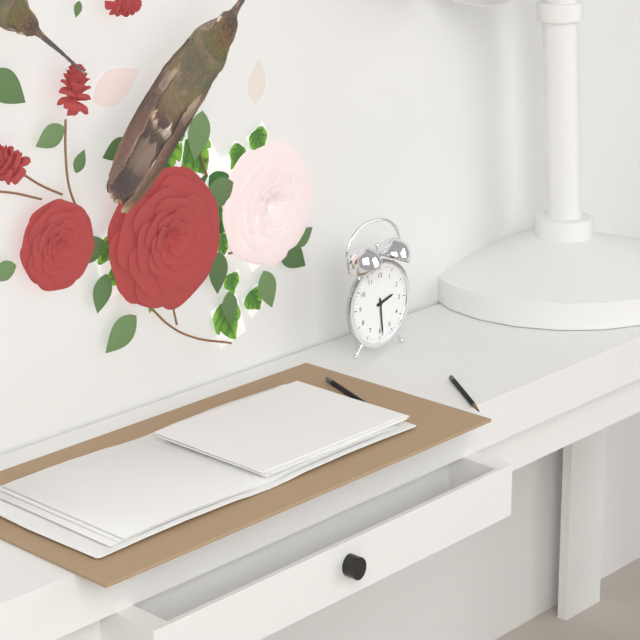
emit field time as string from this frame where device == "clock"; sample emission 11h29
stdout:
2h29
